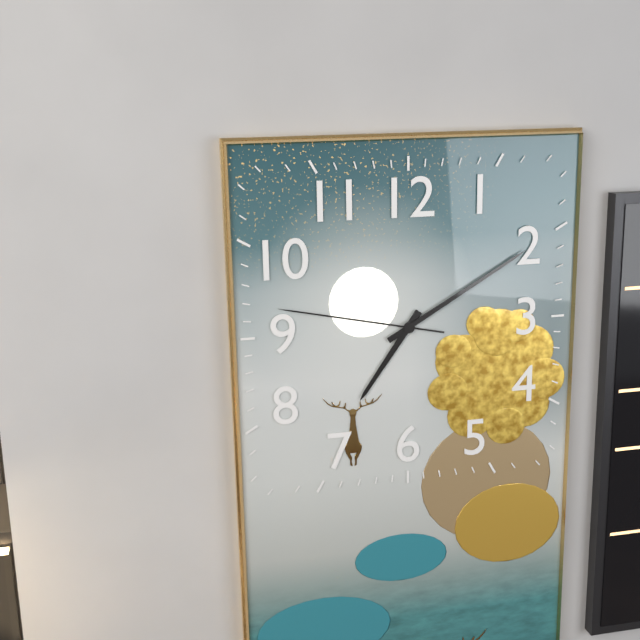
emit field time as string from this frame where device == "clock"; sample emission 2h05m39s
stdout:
7h10m47s
